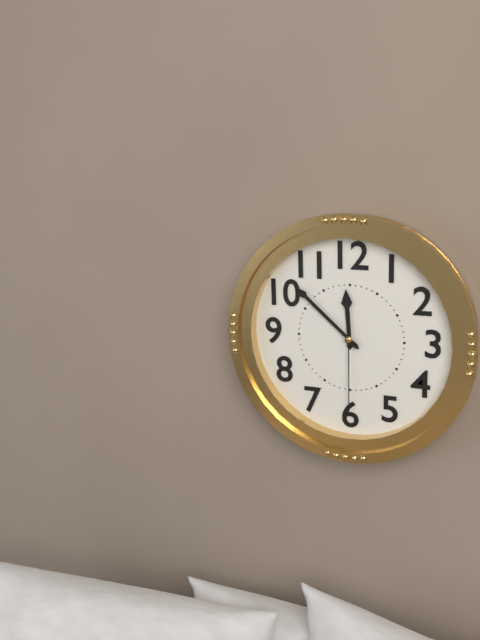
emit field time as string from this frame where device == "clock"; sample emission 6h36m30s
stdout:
11h52m30s
